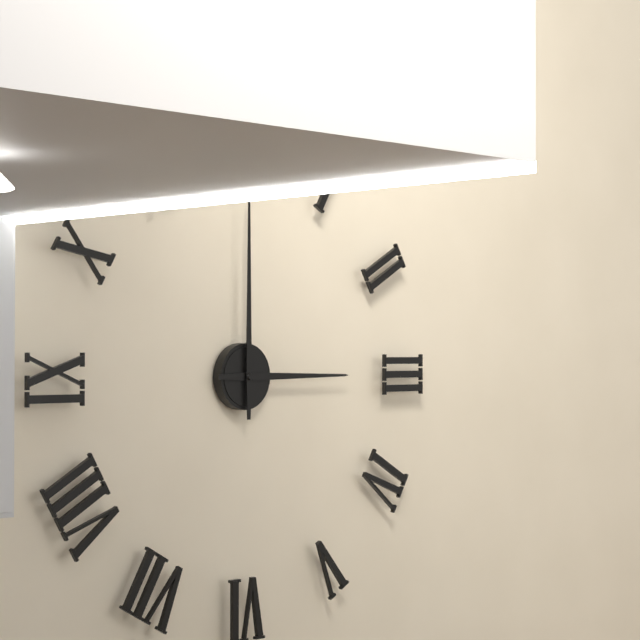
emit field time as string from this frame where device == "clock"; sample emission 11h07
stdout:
3h00
